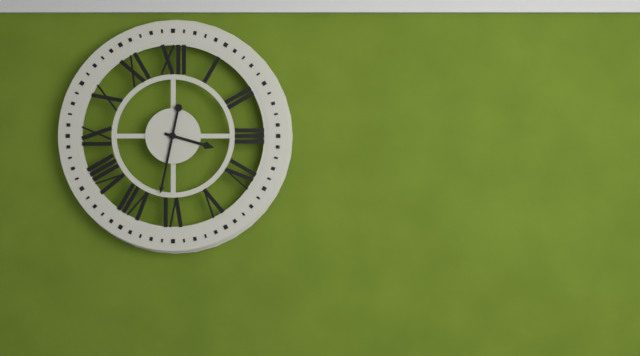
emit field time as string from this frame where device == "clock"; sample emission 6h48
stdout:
3h32
